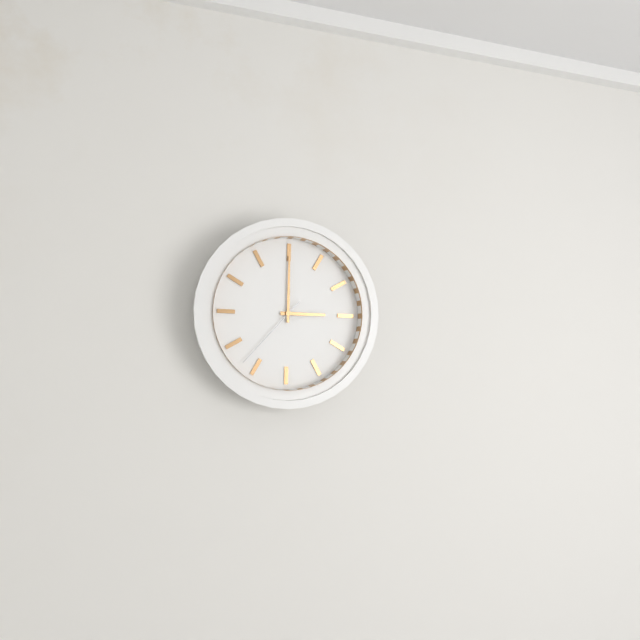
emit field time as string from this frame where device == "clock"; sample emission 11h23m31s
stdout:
3h00m37s
